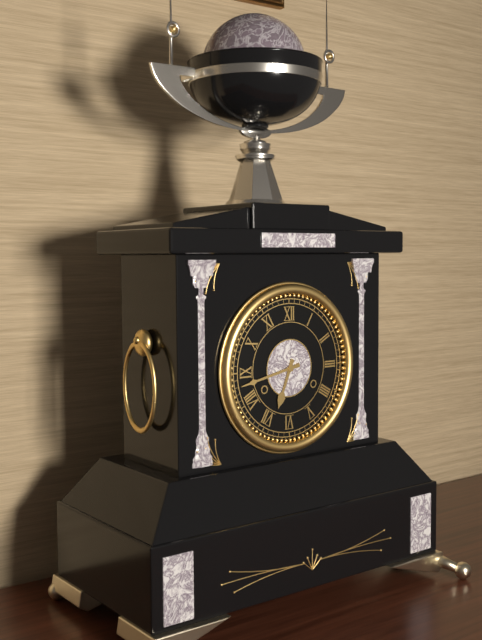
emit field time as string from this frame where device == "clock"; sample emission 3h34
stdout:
6h43
